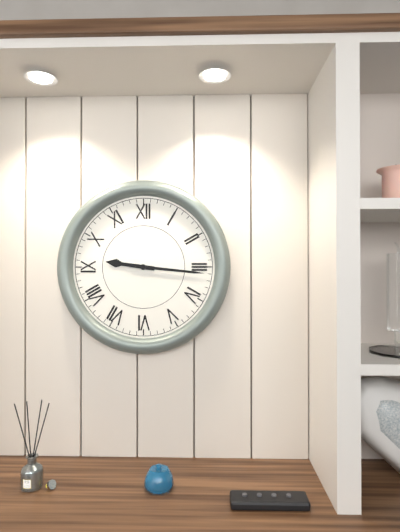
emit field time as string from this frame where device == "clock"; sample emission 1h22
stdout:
9h16
